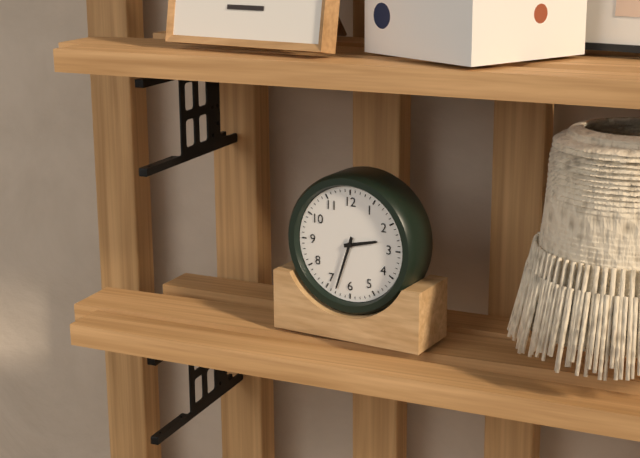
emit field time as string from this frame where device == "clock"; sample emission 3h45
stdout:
2h33
